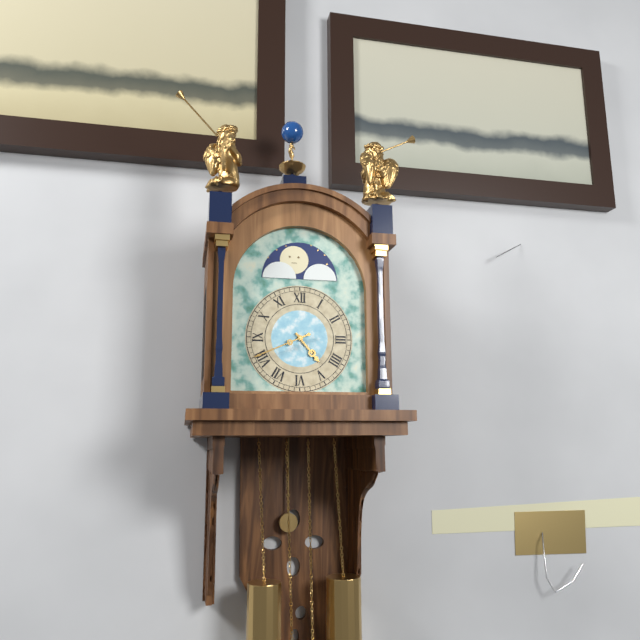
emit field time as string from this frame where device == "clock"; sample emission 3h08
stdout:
4h41
